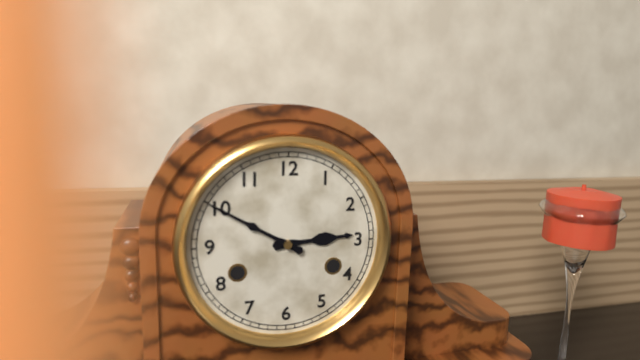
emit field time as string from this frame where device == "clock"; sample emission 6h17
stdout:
2h50
